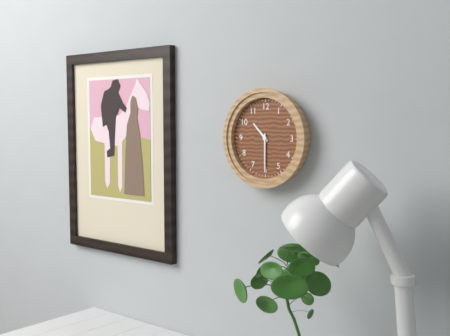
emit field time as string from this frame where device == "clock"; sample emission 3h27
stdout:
10h30
